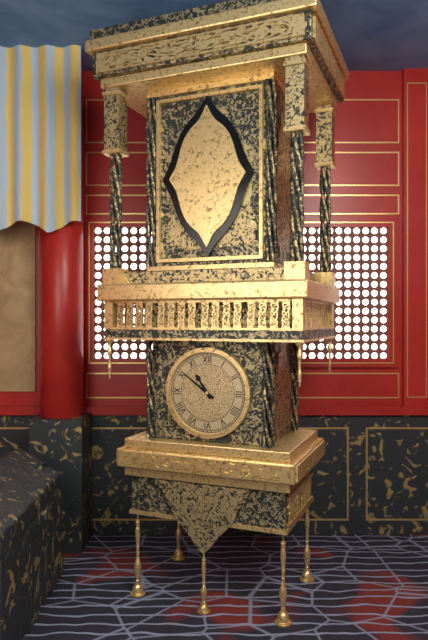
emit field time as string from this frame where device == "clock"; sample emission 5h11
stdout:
10h51
